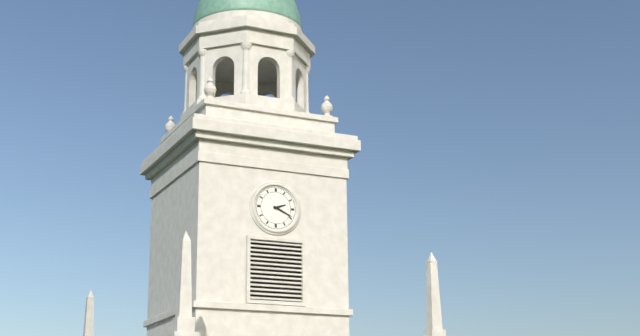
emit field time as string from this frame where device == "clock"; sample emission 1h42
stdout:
2h19
